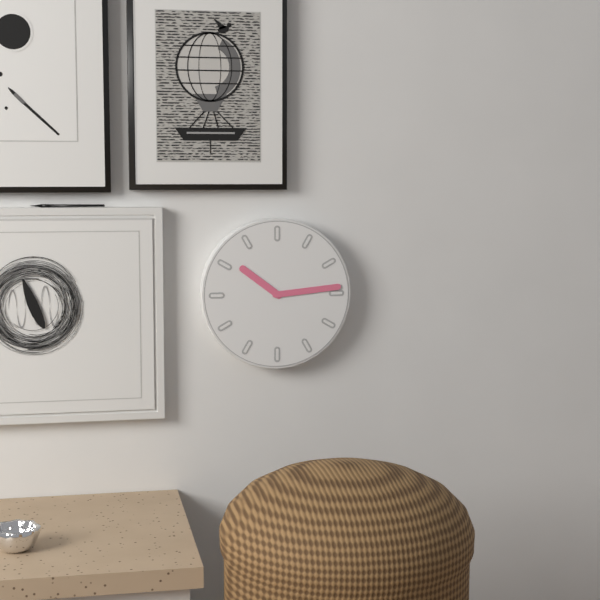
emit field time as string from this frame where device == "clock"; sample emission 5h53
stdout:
10h14
